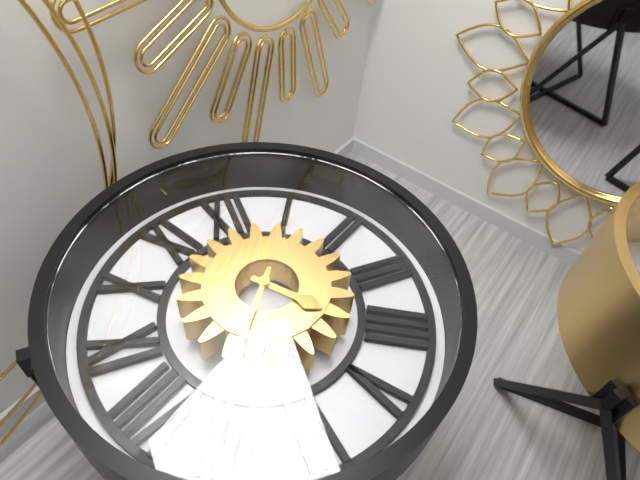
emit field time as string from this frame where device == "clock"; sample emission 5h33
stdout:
4h36
